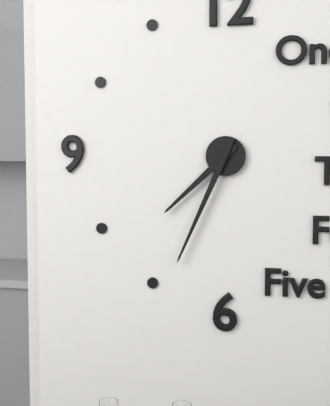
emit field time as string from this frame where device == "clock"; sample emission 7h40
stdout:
7h34
